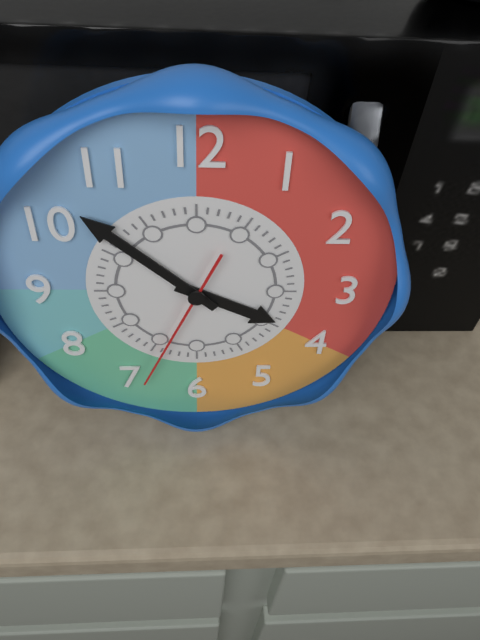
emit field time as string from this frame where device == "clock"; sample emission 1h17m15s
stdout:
3h52m34s
